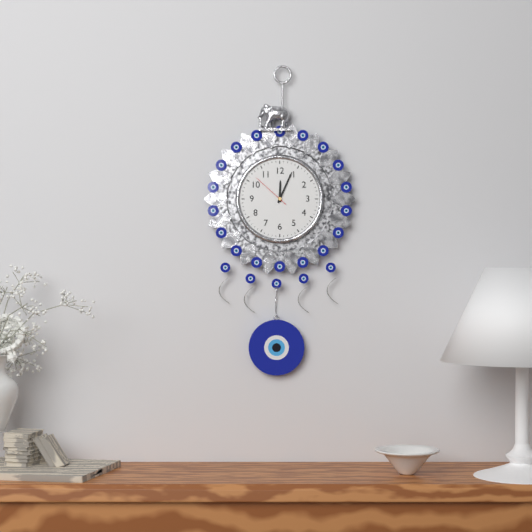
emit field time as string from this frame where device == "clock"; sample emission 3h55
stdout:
12h04
